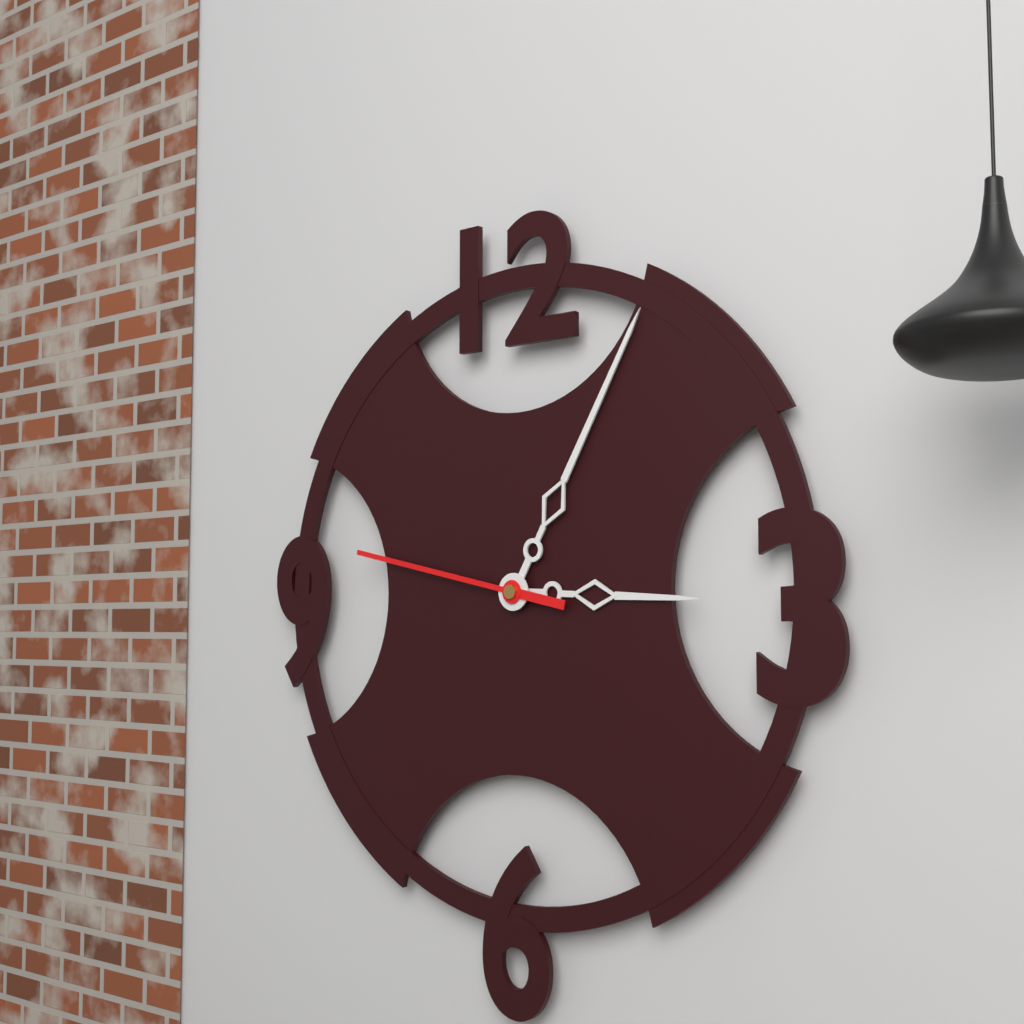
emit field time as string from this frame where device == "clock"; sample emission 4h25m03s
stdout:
3h05m47s
